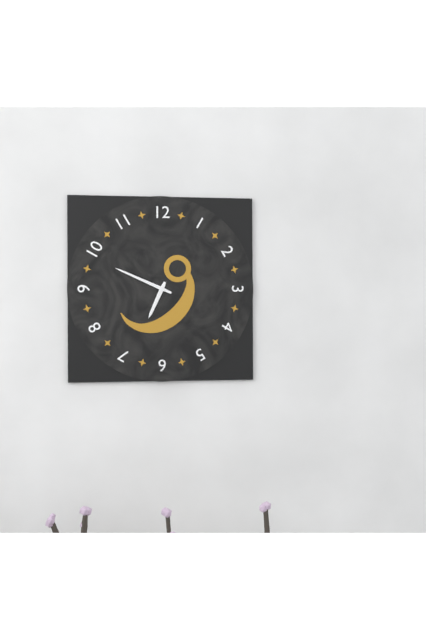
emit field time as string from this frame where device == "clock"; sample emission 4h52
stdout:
6h49
